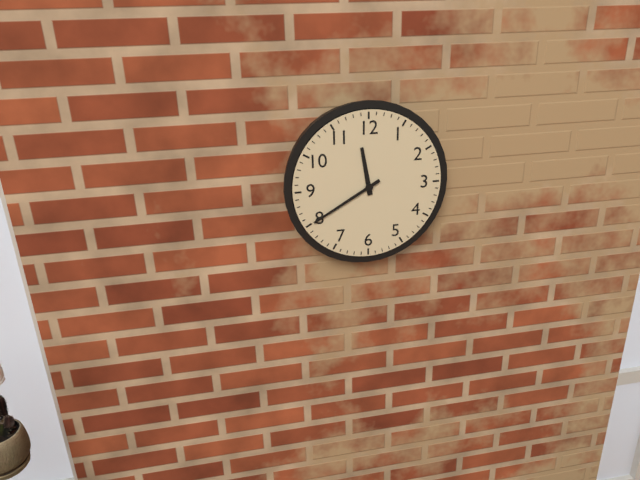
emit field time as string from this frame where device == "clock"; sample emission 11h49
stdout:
11h40
